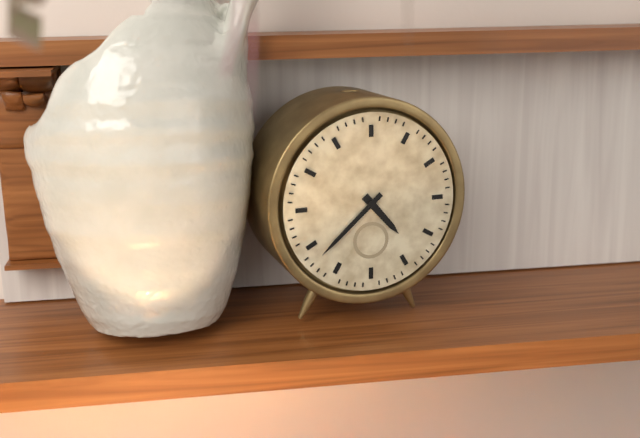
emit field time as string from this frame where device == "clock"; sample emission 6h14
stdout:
4h38
